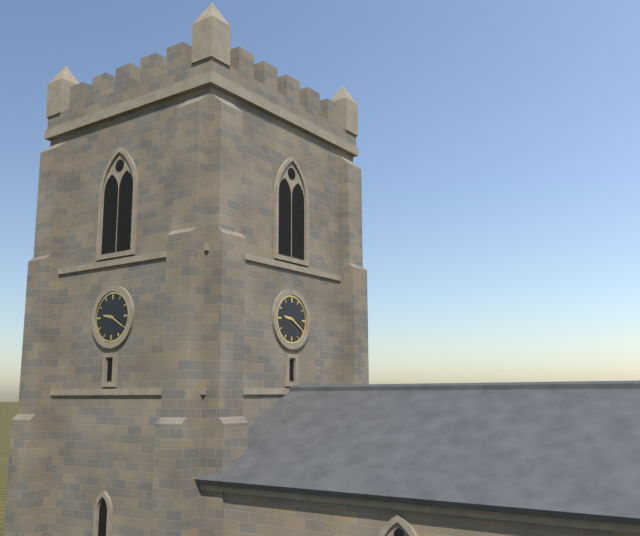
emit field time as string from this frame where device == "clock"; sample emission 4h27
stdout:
9h20
